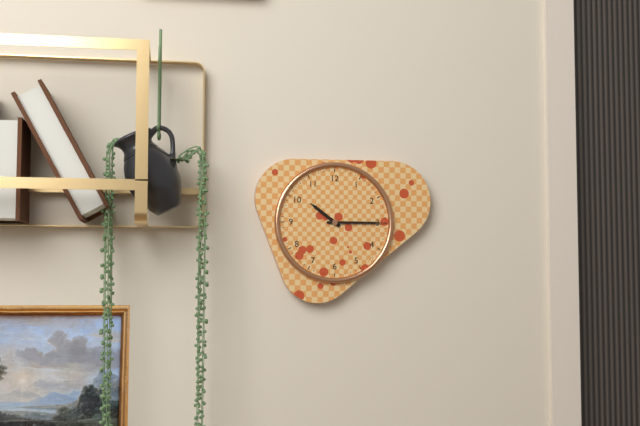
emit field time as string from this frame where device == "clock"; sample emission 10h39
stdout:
10h15
